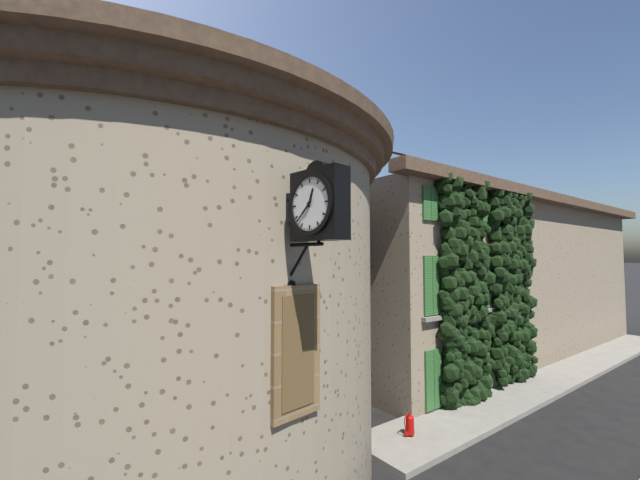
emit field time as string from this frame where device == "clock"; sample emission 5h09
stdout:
12h38
